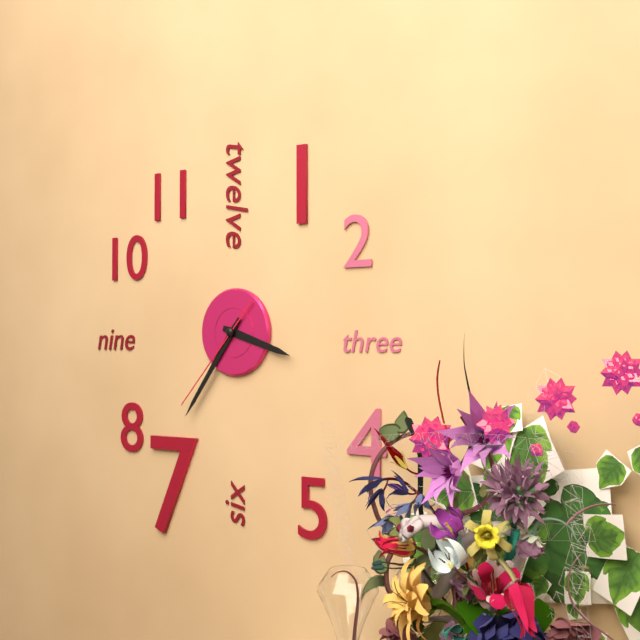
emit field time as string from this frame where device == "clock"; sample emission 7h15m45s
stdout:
3h36m37s
